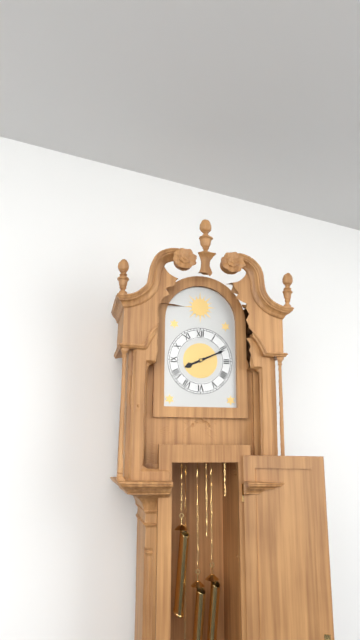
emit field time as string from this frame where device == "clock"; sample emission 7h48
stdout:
8h11
